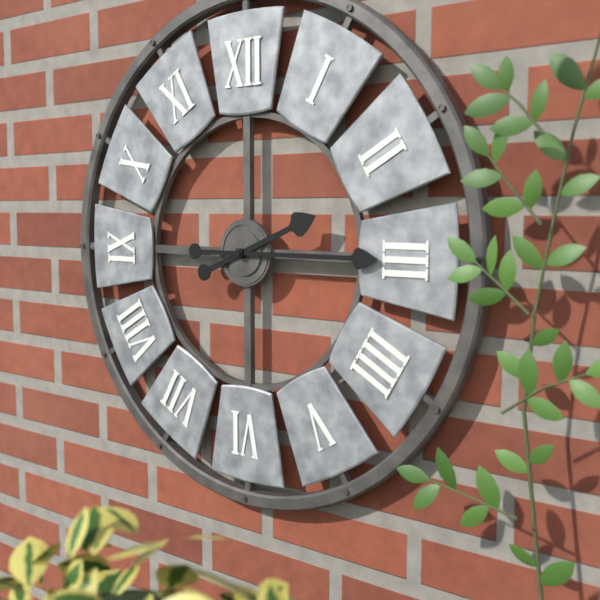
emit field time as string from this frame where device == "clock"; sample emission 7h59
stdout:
2h15
